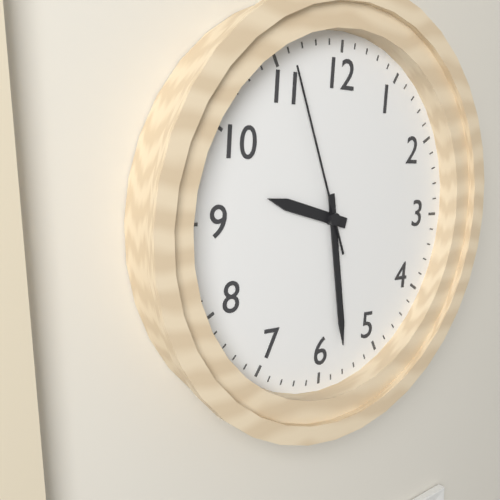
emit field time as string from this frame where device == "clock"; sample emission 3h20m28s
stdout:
9h28m56s
